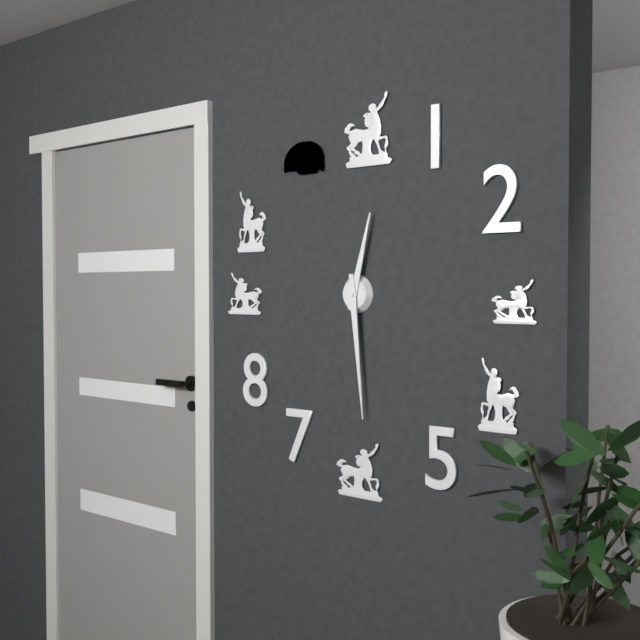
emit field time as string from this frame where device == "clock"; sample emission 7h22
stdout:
12h29
